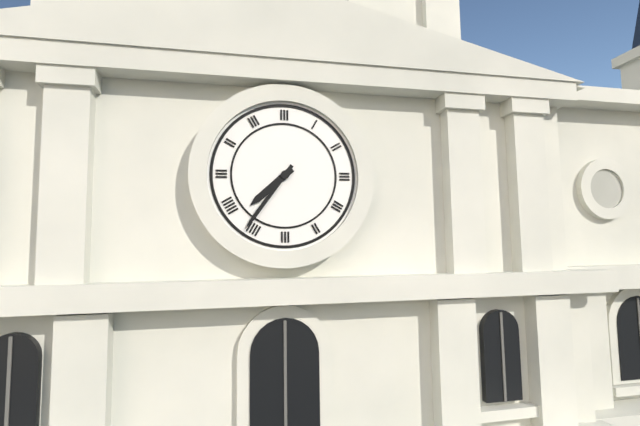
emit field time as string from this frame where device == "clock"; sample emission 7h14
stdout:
7h36
